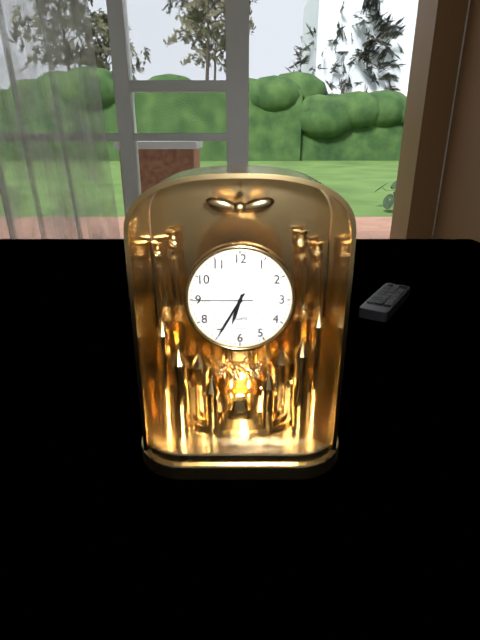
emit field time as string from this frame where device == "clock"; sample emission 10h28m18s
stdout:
6h35m45s
